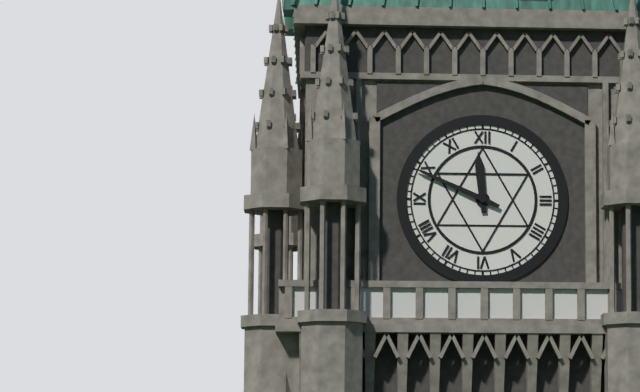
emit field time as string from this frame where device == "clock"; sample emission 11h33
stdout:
11h49
